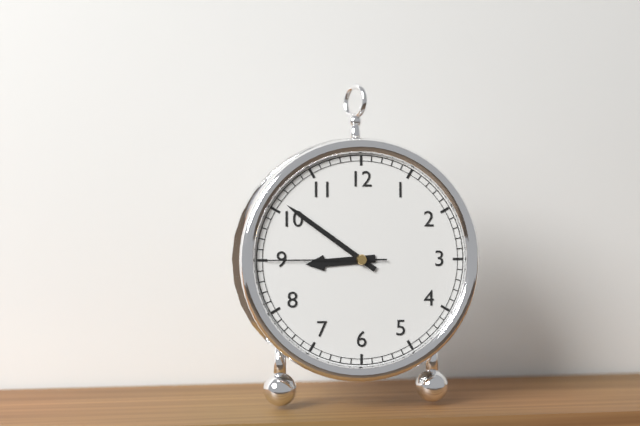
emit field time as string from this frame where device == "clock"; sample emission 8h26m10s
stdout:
8h51m45s
